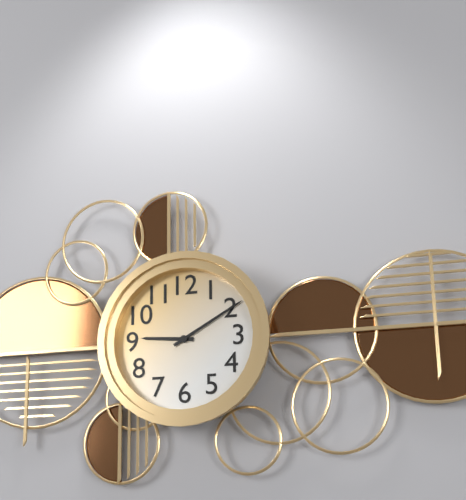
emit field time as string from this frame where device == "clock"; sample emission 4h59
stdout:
9h10
